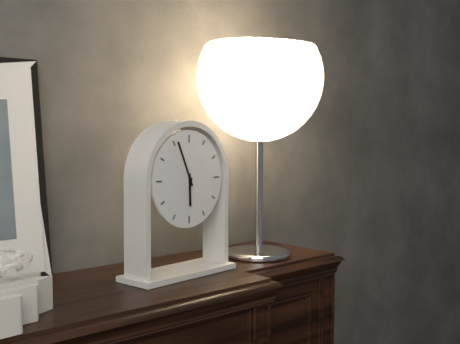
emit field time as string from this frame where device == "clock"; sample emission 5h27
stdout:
5h56
